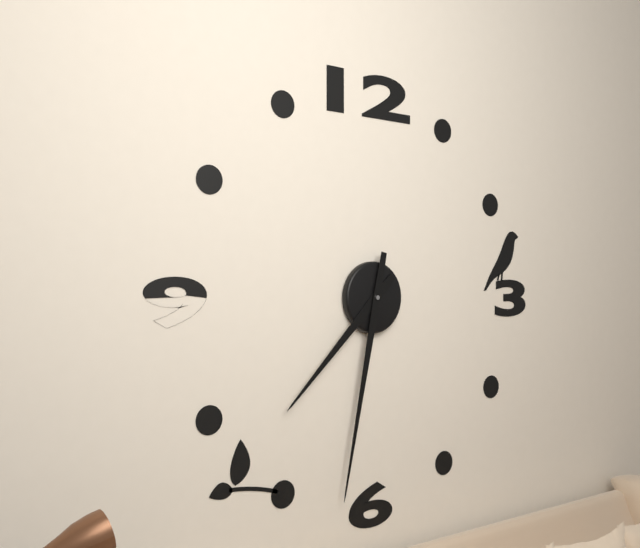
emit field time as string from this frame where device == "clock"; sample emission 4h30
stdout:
7h32
